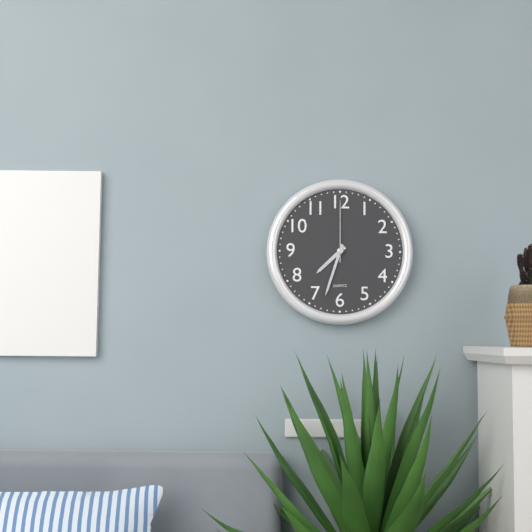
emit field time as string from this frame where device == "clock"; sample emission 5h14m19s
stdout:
7h33m00s
